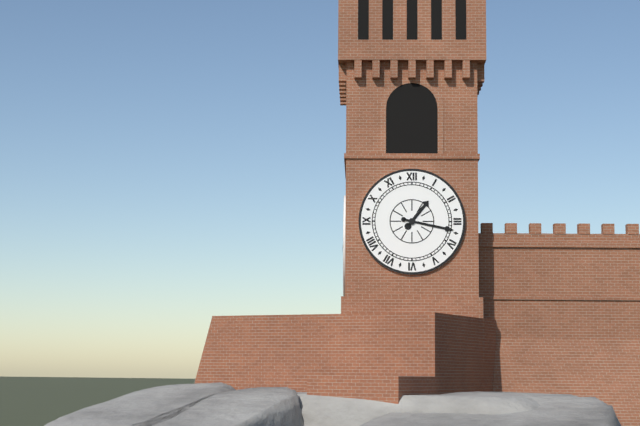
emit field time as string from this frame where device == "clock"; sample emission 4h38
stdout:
1h17
